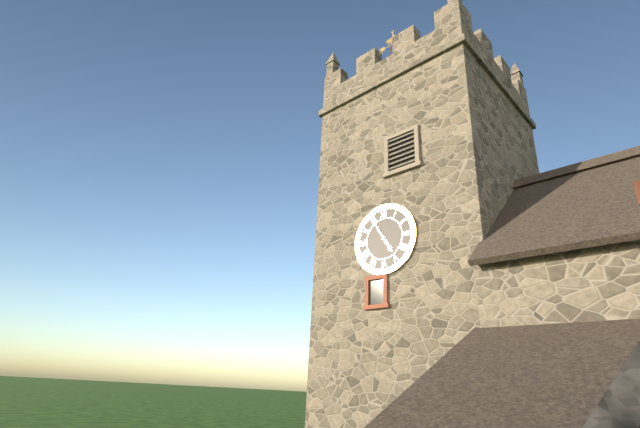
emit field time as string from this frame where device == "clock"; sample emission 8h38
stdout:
4h55
